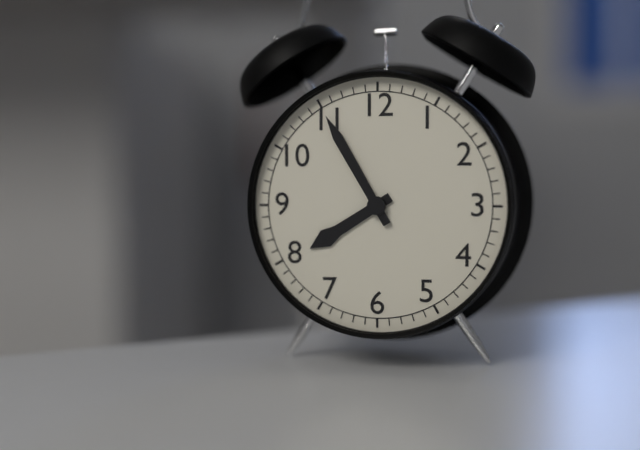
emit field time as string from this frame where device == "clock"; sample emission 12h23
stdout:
7h55
